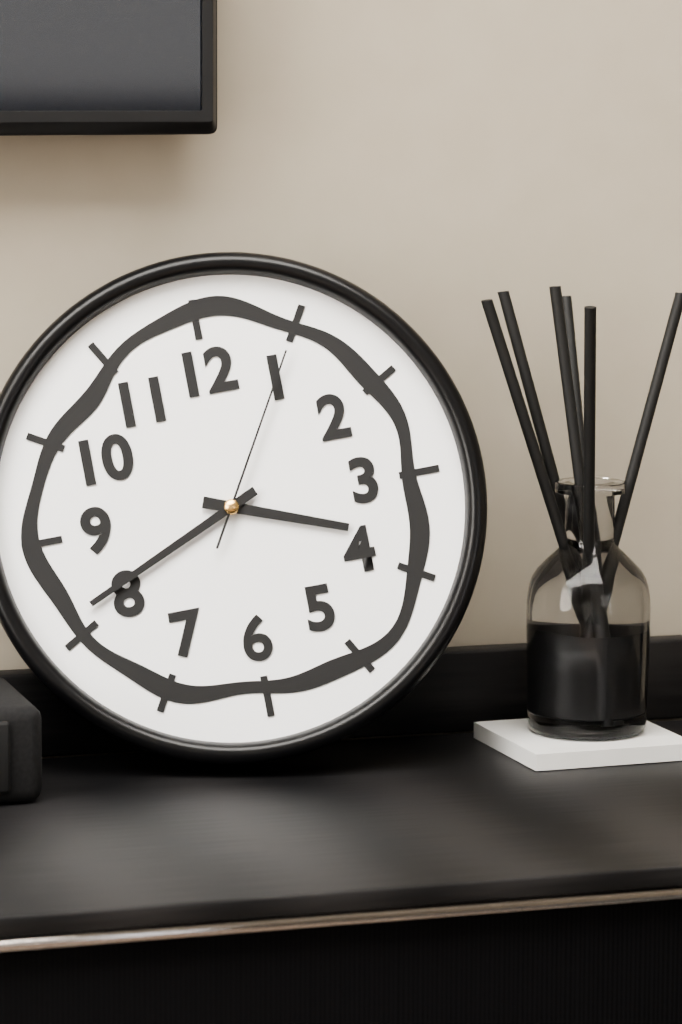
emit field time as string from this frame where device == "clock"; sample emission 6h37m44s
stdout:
3h41m05s
